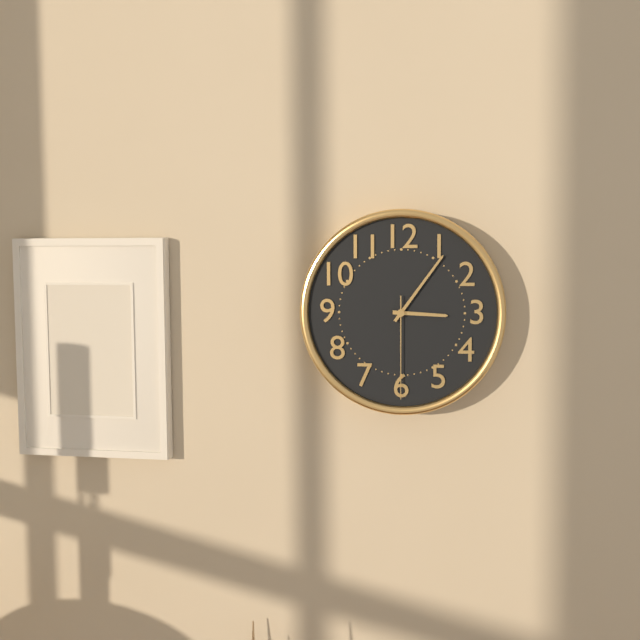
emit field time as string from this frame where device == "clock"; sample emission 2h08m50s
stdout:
3h06m30s
